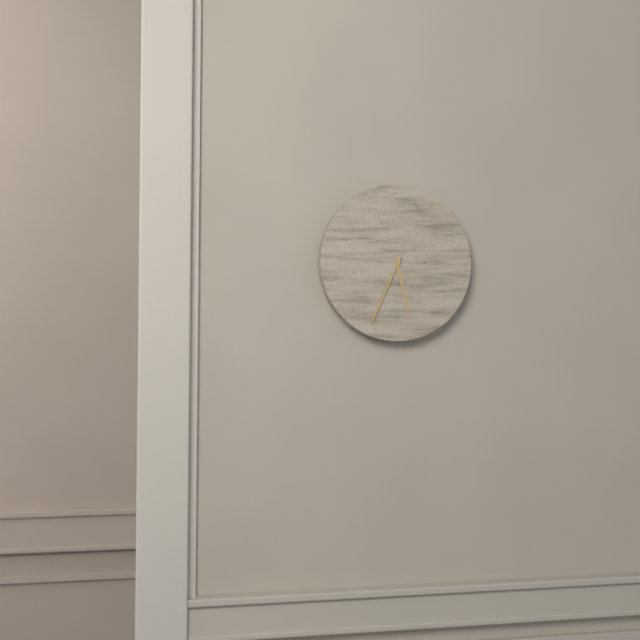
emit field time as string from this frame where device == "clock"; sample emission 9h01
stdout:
5h34
